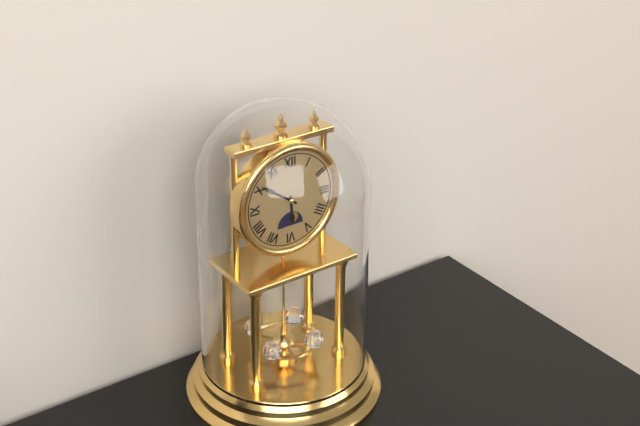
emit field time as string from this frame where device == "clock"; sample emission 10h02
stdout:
5h51
